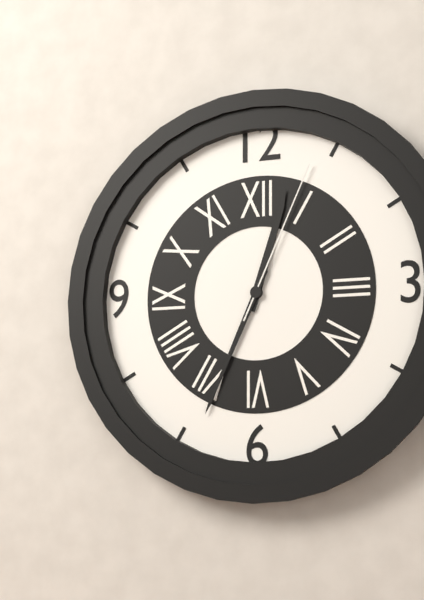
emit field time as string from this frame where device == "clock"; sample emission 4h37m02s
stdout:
12h34m04s
